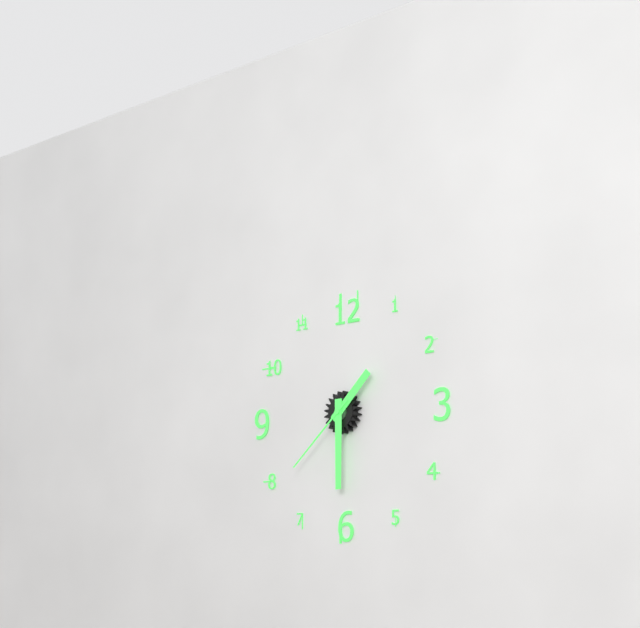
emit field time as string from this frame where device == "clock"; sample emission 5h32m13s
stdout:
1h30m38s
